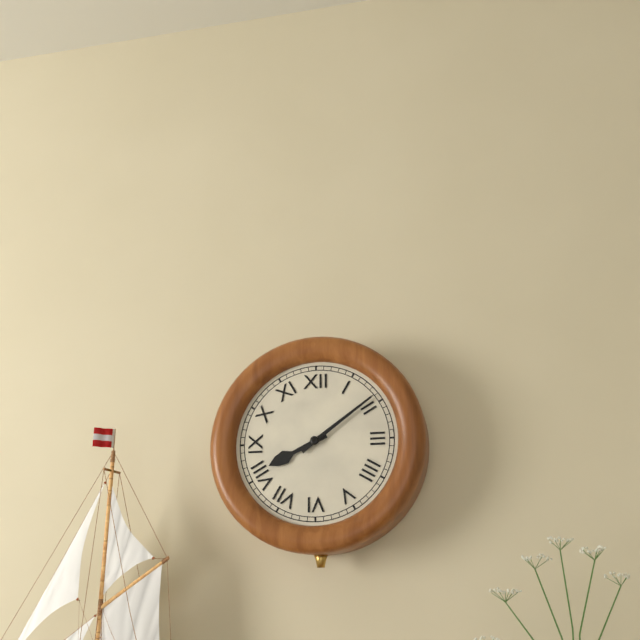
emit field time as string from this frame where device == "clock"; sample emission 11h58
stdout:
8h09
